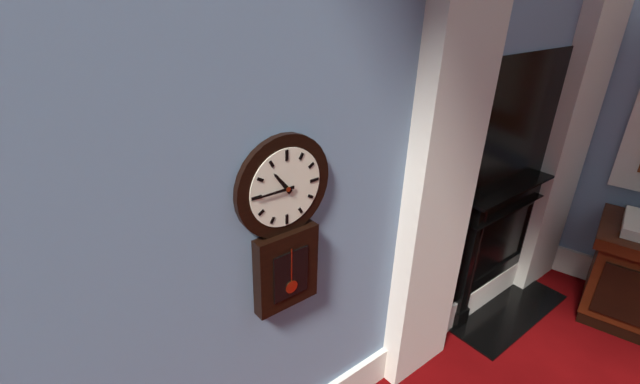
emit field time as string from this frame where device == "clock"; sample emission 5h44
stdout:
10h45
